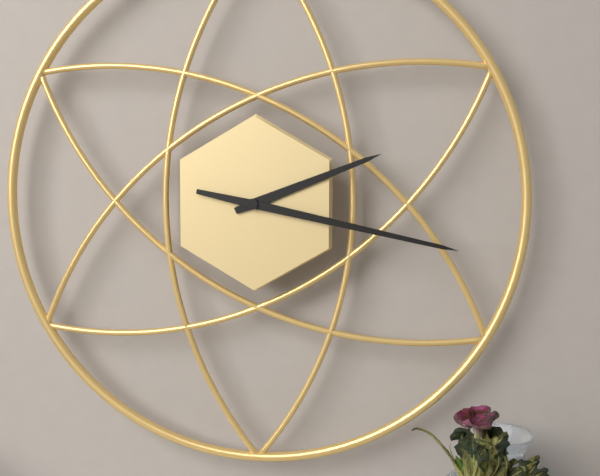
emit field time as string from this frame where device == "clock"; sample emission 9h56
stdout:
2h17
